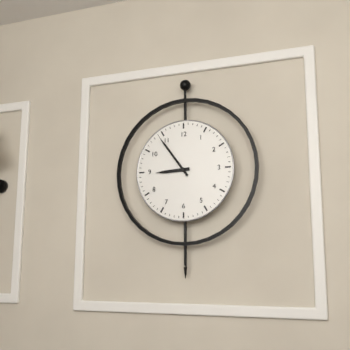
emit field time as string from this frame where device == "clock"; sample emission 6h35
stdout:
8h54
